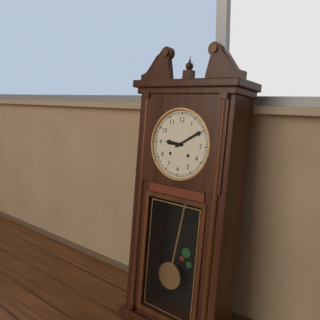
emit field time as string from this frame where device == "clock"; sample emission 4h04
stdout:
9h10
